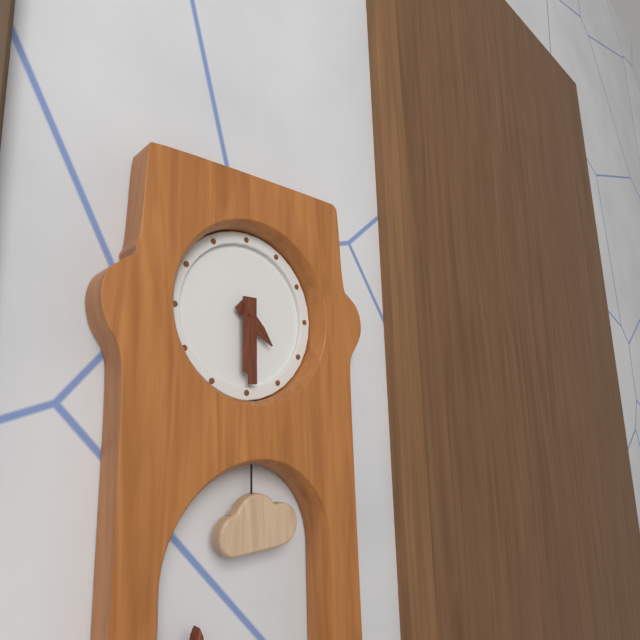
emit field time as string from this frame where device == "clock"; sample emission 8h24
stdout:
4h30
